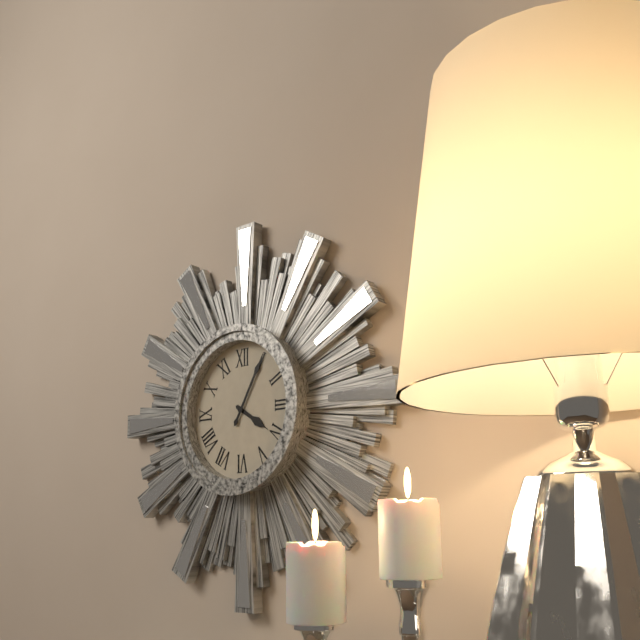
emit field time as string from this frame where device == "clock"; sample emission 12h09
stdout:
4h05
